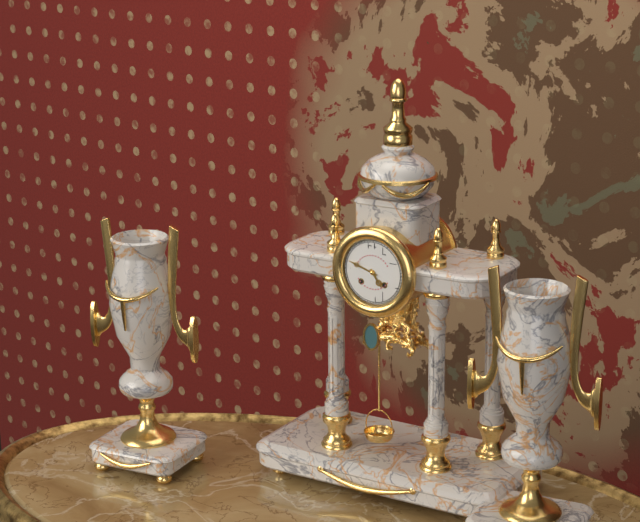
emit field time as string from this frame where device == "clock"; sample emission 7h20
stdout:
4h48
